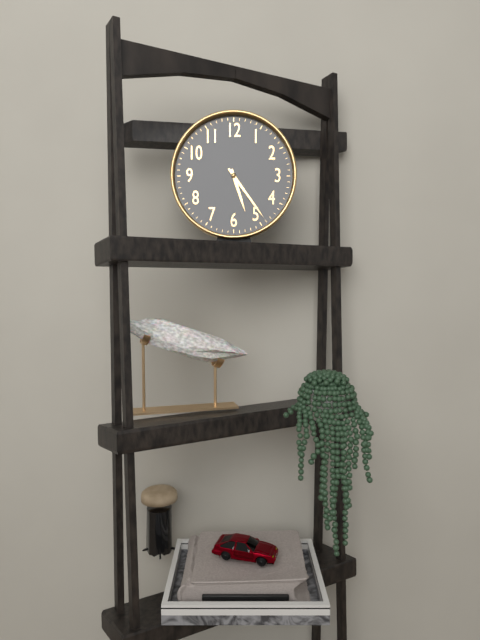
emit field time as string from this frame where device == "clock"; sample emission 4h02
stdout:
5h24
